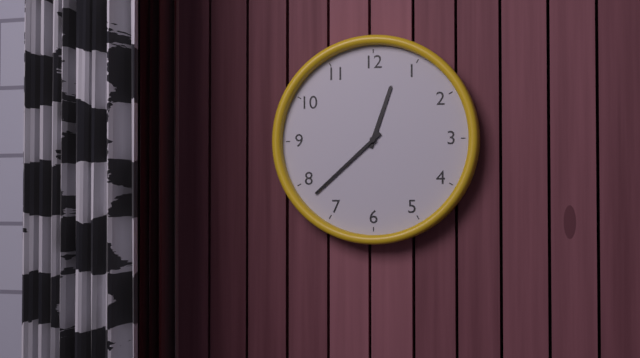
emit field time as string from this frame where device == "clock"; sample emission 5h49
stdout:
12h38
